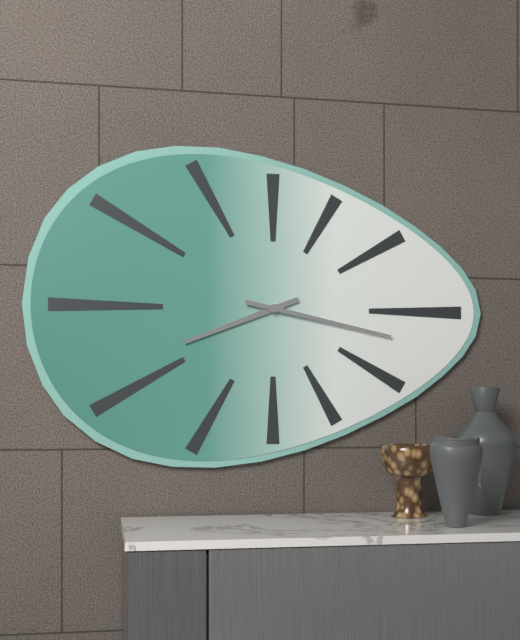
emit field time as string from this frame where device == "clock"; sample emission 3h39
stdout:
8h17
